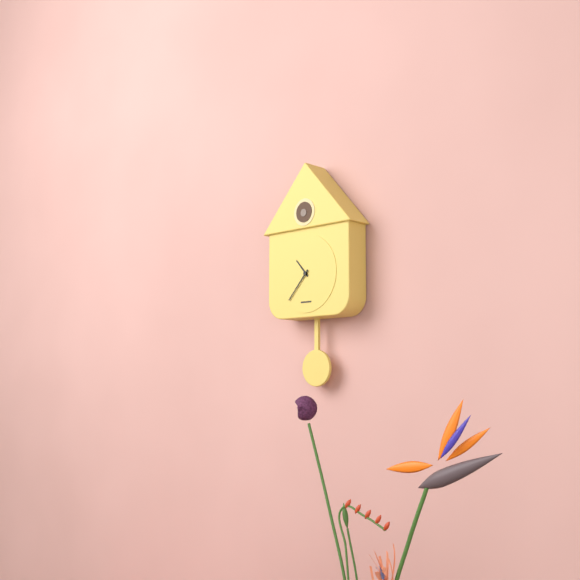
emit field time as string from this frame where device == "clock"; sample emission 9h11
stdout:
10h37
